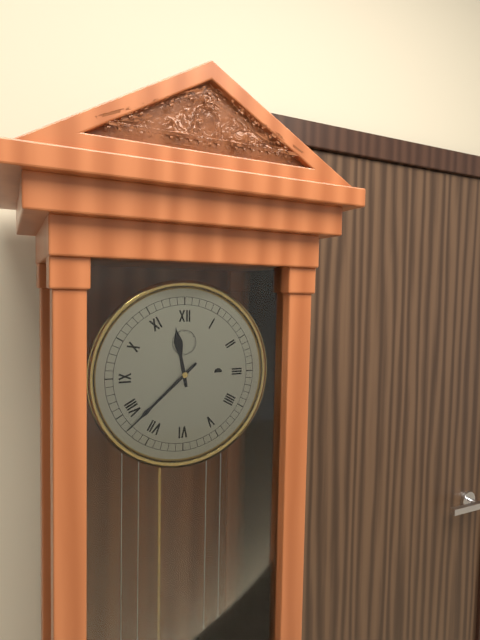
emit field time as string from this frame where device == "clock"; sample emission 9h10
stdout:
11h38
